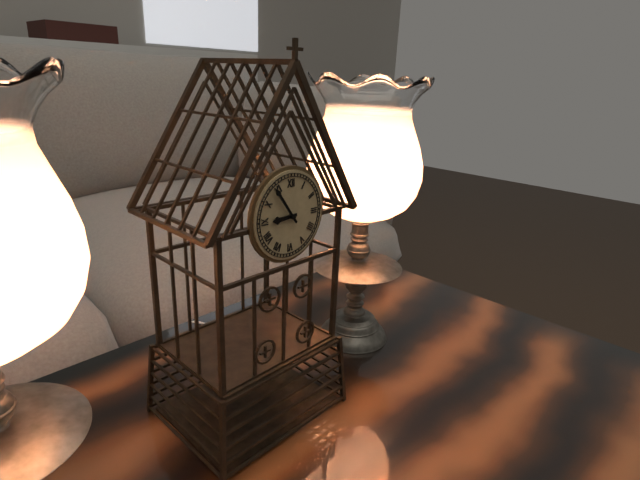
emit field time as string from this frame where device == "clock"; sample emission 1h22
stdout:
8h54
